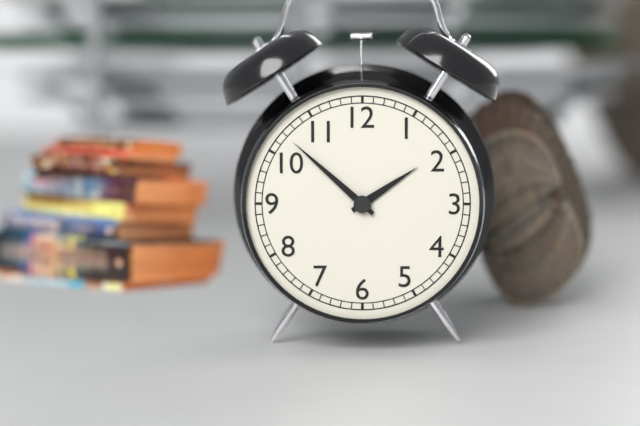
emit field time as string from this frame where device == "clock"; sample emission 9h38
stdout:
1h52
